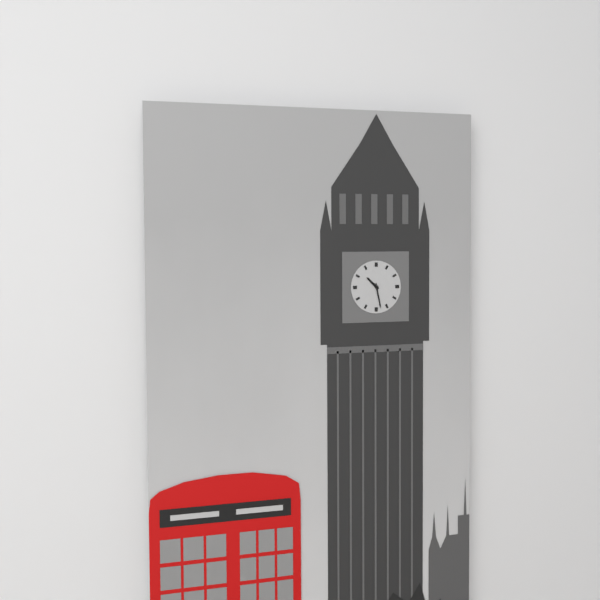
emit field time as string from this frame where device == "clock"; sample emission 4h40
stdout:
10h28
